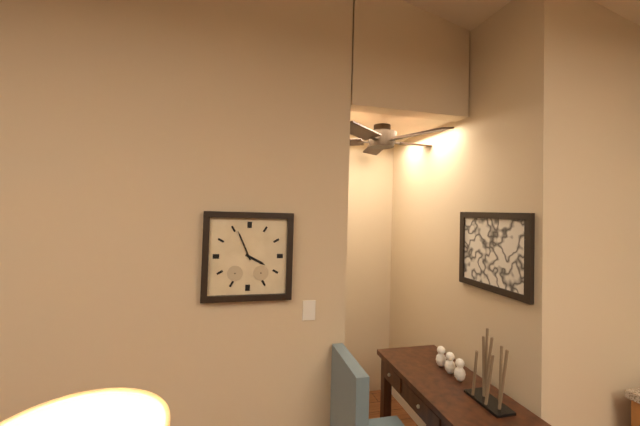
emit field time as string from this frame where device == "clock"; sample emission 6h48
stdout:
3h56
